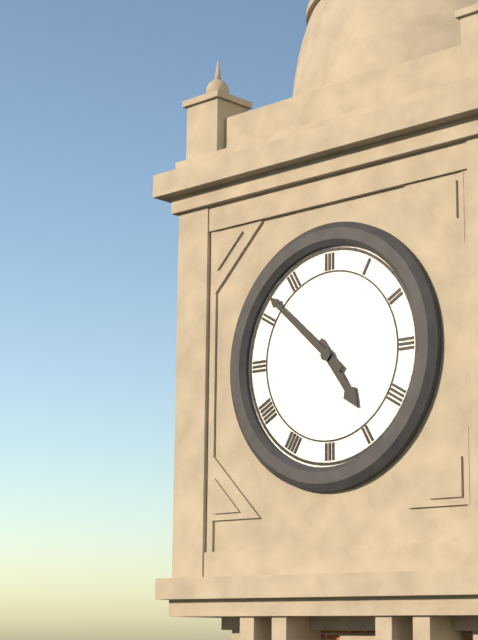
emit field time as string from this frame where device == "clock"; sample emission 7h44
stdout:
4h52
